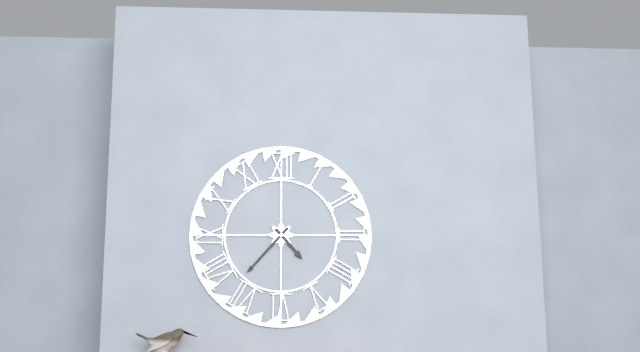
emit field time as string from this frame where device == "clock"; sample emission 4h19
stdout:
4h37
